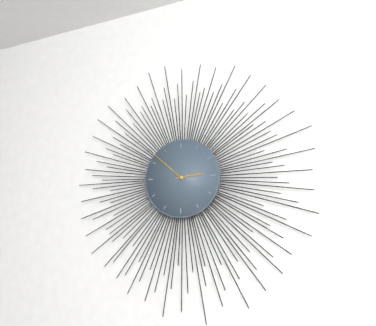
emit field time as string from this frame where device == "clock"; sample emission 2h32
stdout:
2h52
